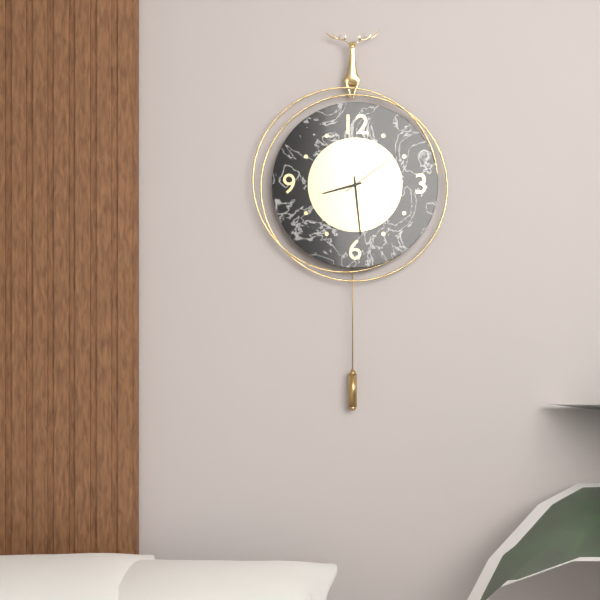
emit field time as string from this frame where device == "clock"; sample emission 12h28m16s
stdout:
8h29m09s
